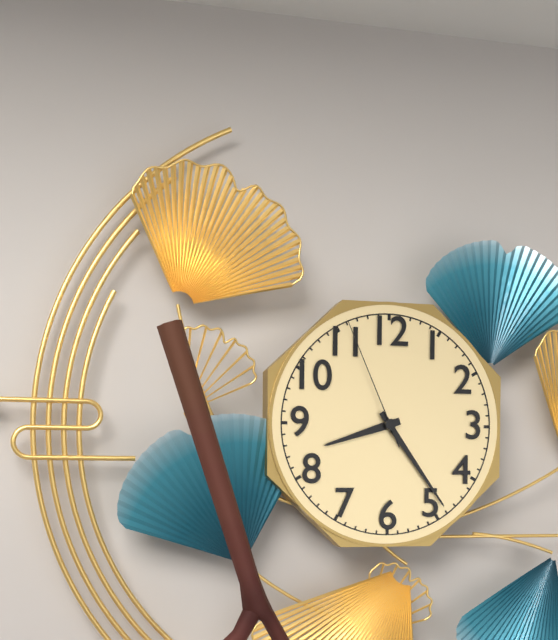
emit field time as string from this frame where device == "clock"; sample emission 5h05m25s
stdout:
8h24m56s
